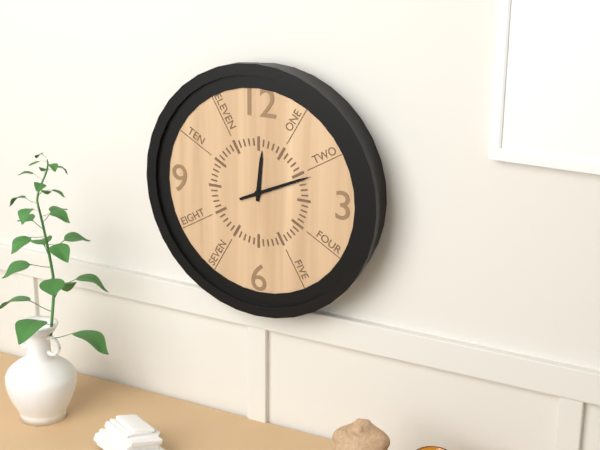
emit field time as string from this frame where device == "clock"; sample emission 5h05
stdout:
12h11
